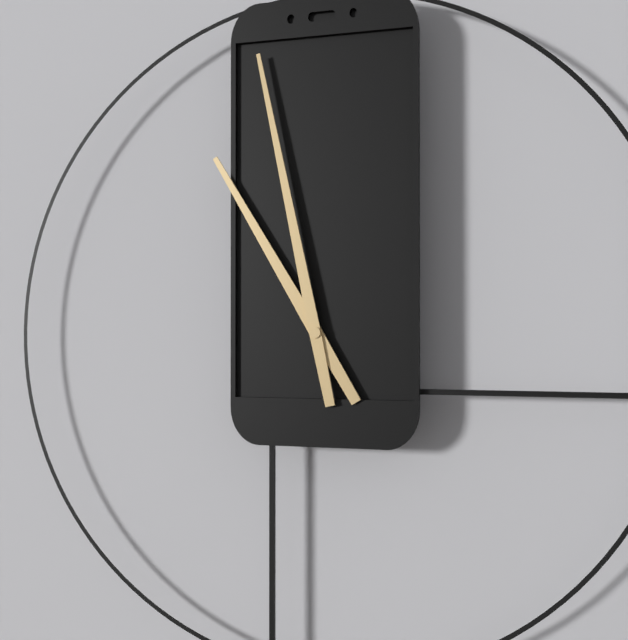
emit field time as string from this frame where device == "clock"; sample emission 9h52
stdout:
10h58
